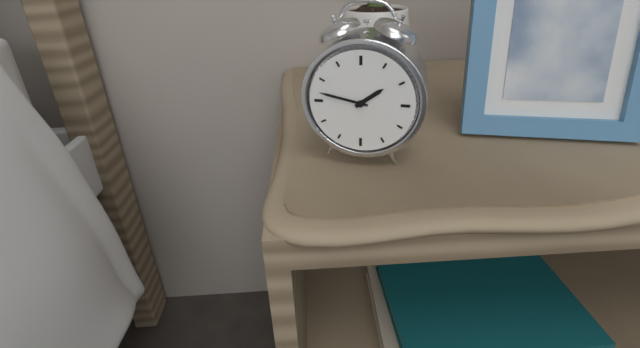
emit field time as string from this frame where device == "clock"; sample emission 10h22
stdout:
1h47
